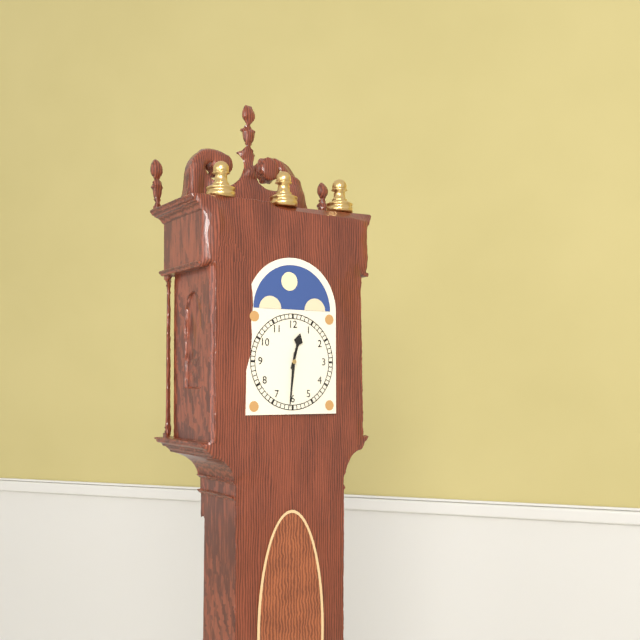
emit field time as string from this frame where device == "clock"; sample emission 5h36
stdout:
12h31
